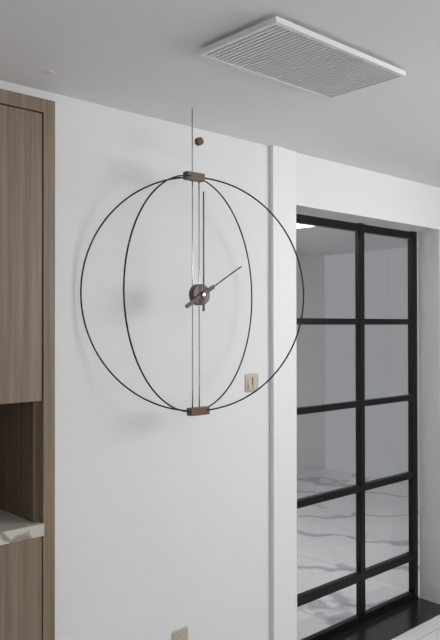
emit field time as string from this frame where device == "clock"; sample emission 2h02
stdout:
2h00
